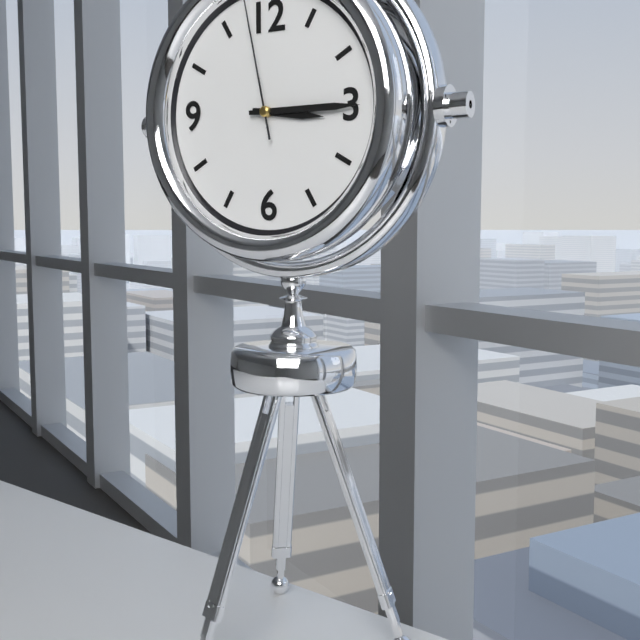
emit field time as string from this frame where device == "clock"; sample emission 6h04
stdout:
3h15
